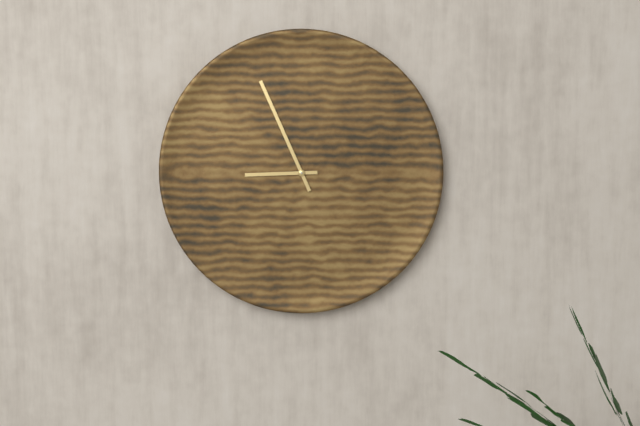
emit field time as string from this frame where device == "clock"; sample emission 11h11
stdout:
8h56
